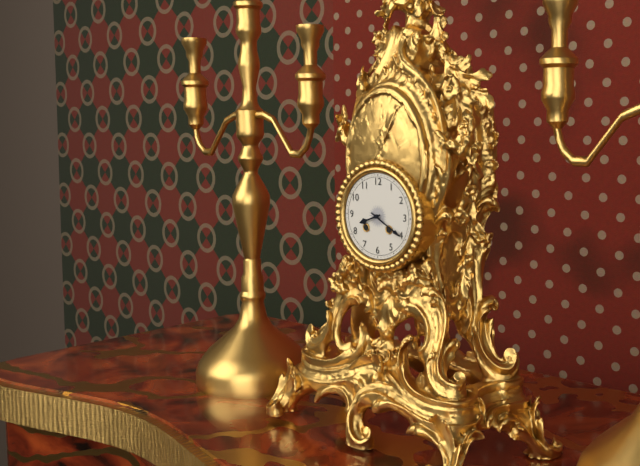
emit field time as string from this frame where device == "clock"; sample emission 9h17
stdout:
8h20
